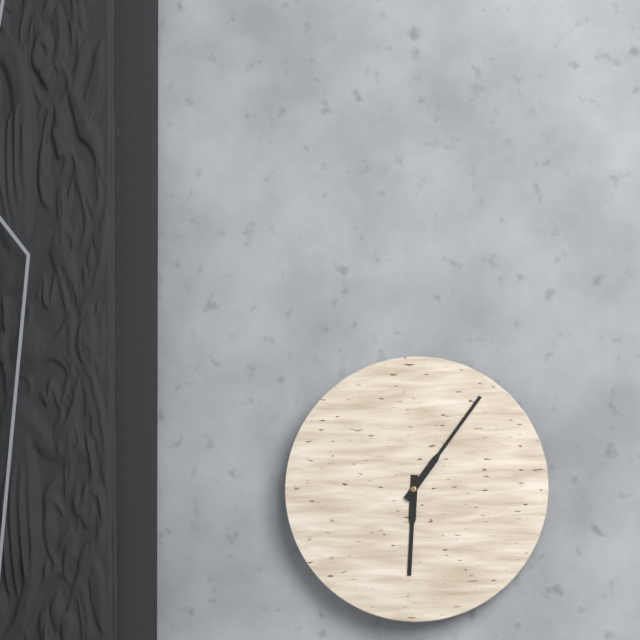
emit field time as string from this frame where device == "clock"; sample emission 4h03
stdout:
6h06
